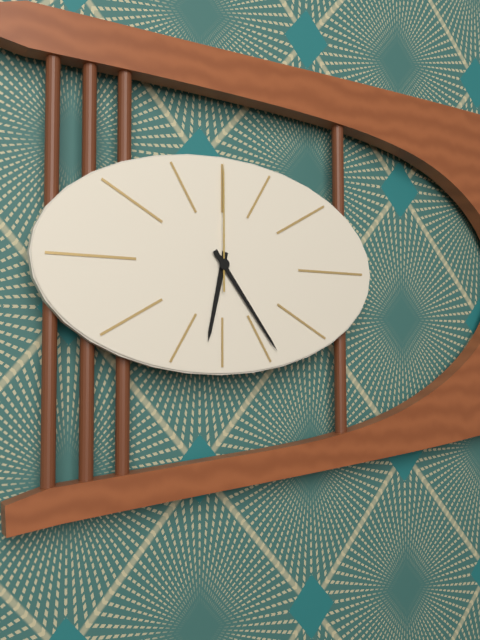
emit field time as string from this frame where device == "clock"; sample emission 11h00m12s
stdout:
6h24m00s
